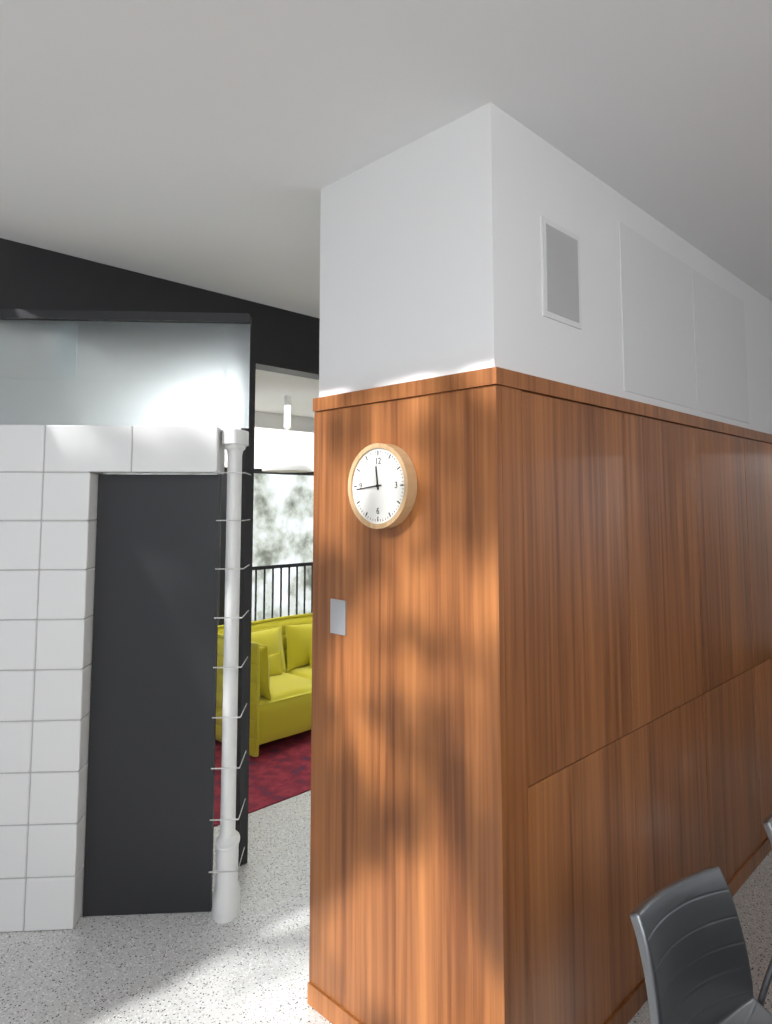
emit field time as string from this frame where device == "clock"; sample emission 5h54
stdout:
11h44
